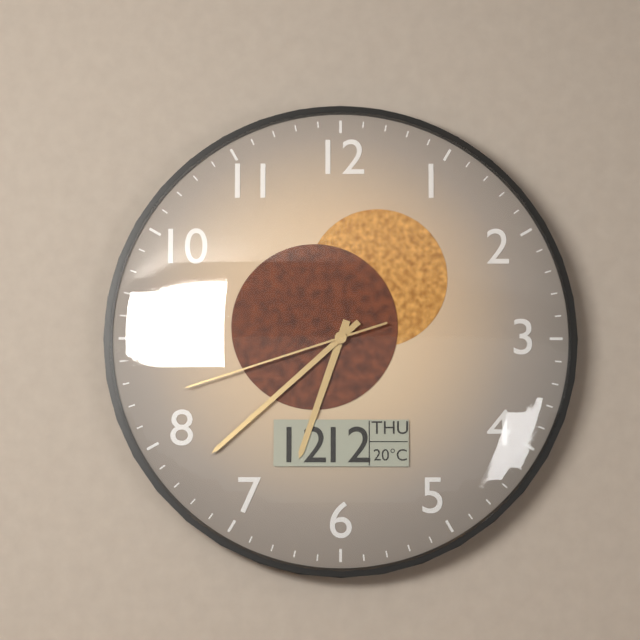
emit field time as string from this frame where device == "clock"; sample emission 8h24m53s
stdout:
6h38m42s
